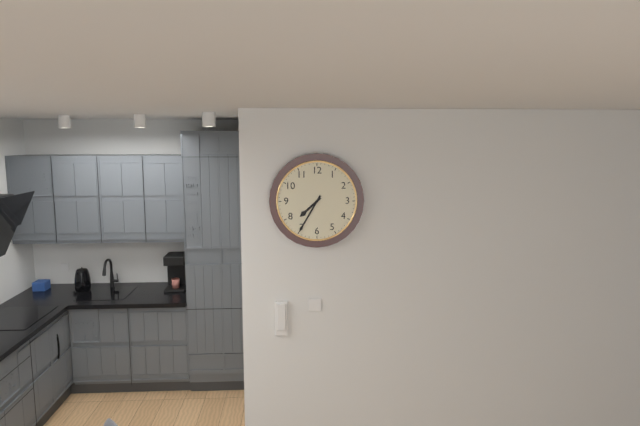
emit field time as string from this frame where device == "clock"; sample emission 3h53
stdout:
7h35
